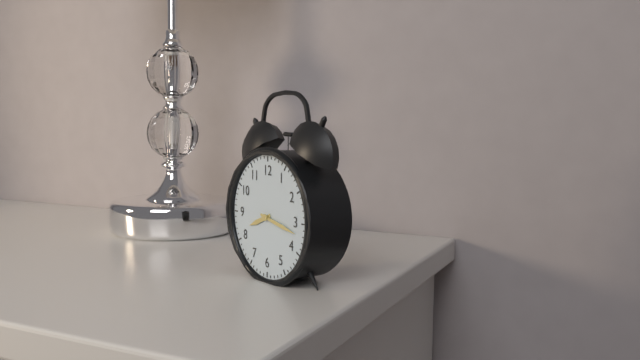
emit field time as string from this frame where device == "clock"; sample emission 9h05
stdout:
8h17
